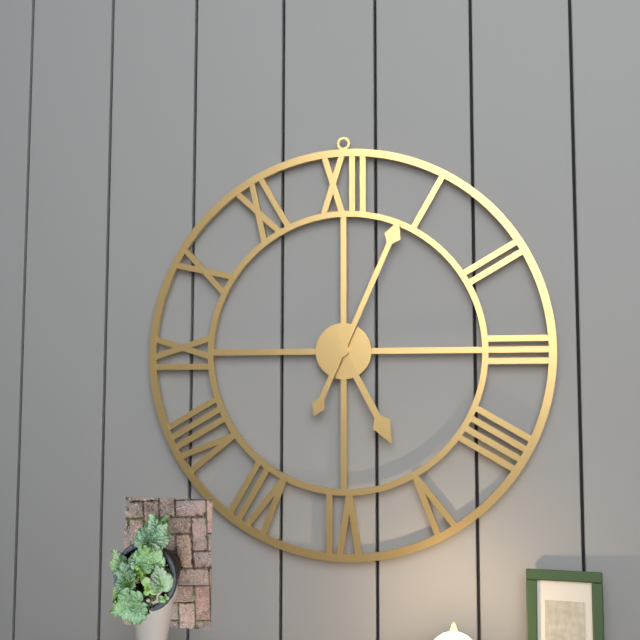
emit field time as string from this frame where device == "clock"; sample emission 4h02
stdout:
5h04
